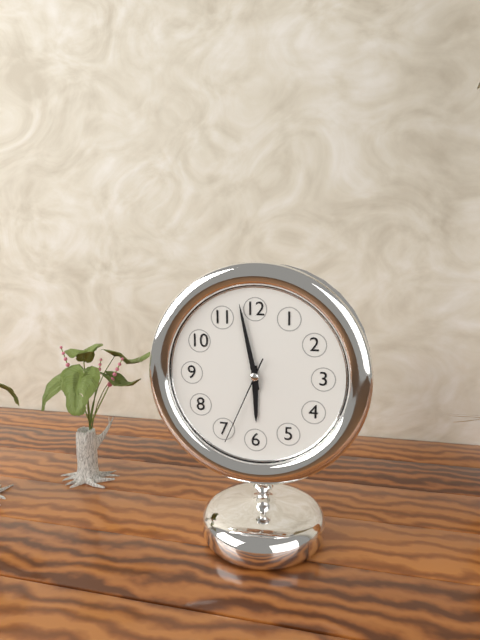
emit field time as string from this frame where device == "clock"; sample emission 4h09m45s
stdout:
5h58m34s
